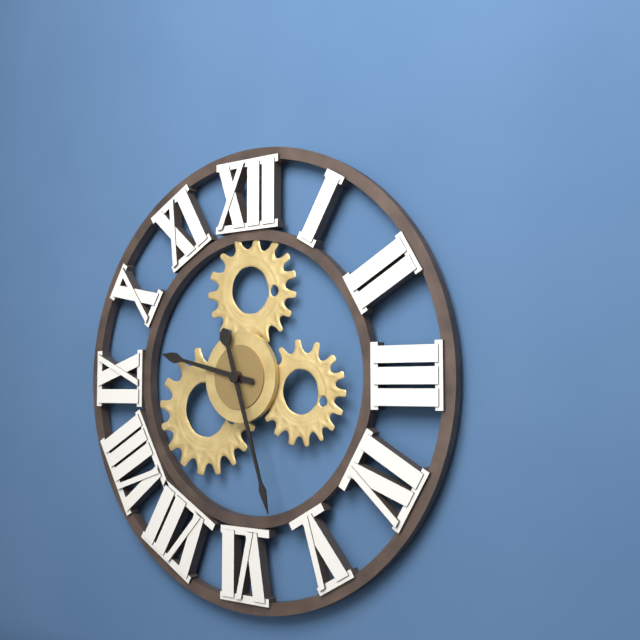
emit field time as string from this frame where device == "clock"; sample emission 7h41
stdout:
9h27
